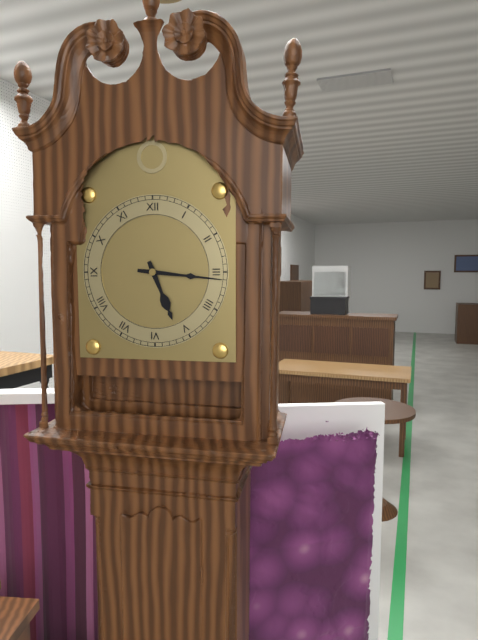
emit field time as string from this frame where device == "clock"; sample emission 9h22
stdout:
5h16
